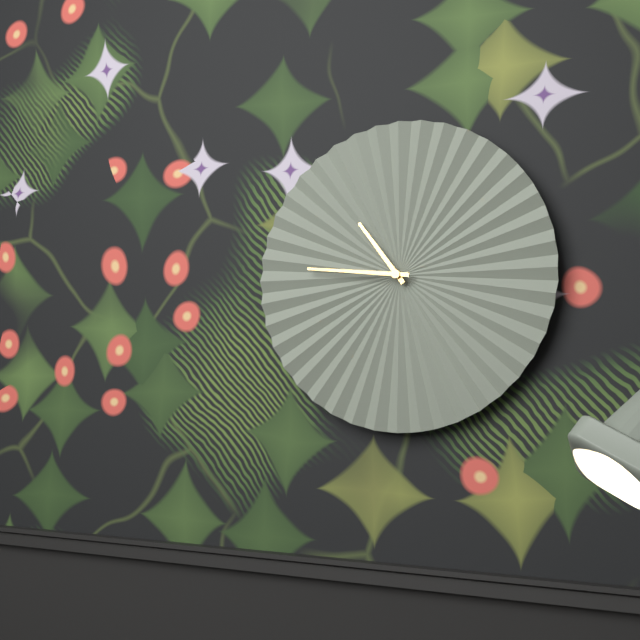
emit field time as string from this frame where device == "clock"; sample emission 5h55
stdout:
10h46
